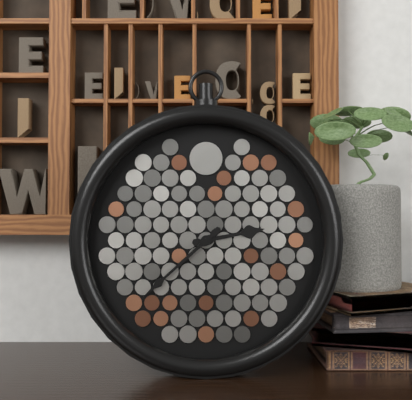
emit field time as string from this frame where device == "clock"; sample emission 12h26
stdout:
2h38
